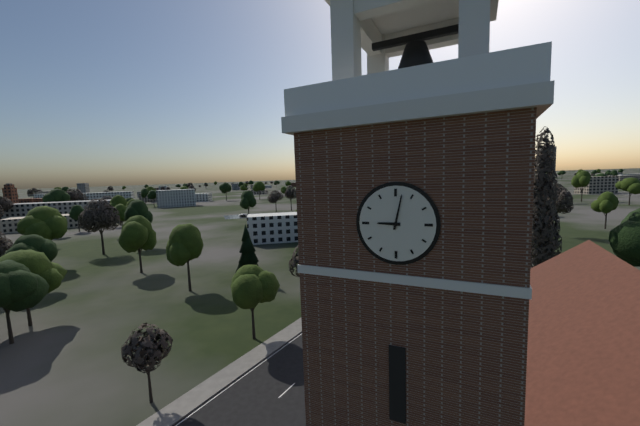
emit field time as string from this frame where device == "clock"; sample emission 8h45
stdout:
9h02
